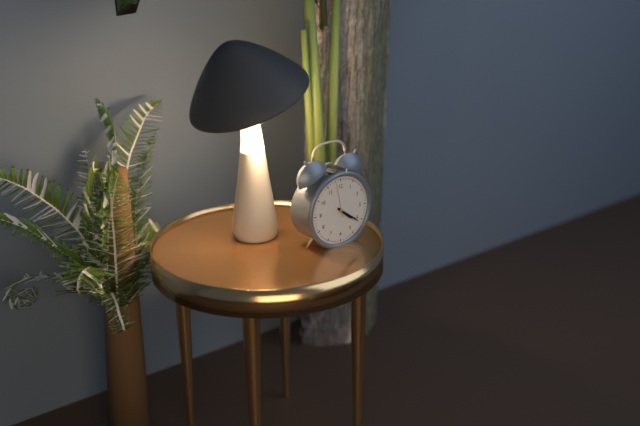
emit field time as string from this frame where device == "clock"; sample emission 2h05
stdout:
4h21
